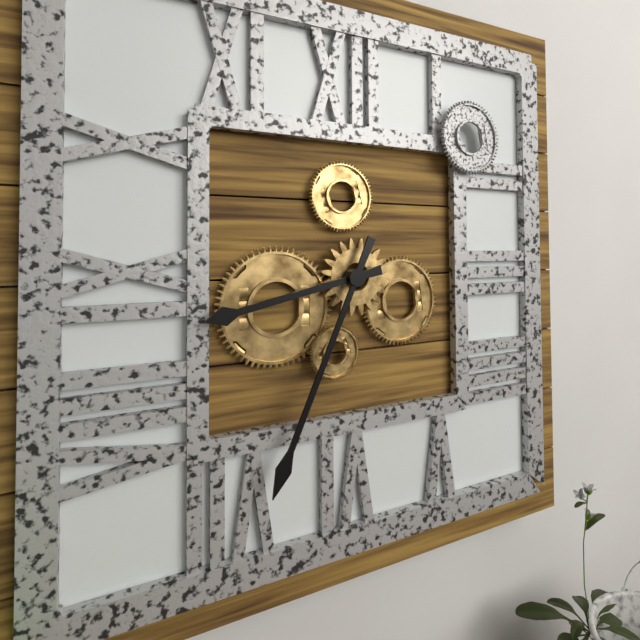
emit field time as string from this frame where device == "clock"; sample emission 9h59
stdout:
8h34
